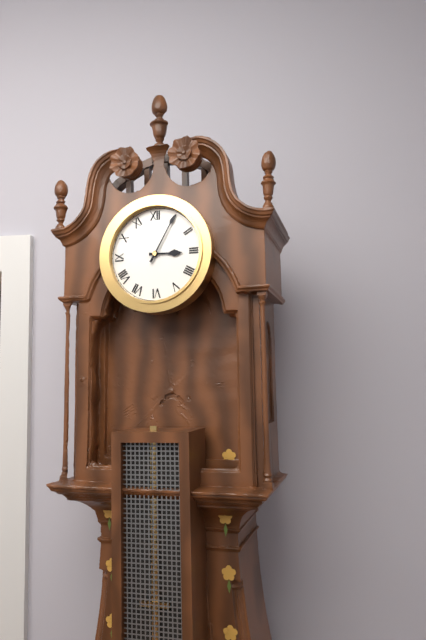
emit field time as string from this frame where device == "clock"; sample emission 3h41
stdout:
3h05
